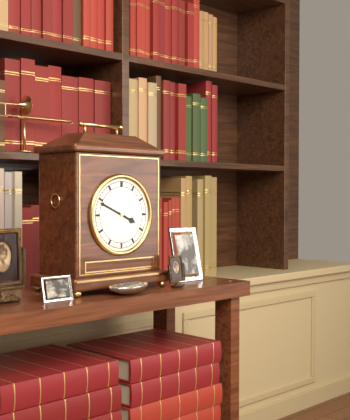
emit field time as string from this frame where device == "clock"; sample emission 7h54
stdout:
3h49
